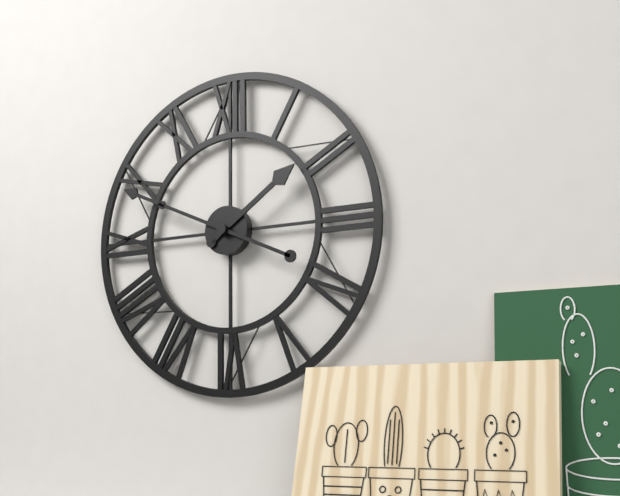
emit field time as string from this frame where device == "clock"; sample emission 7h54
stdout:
1h49
